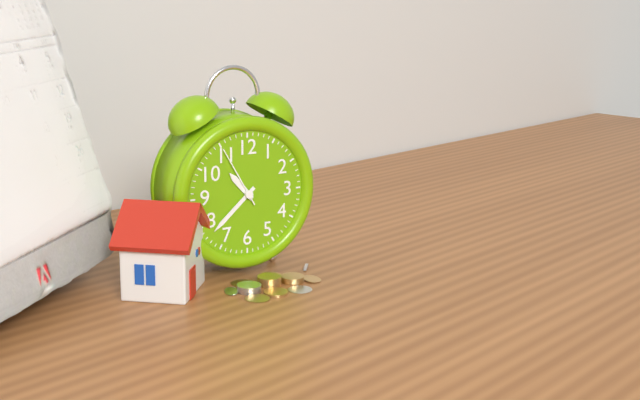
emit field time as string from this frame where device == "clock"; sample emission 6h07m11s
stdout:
10h38m55s
